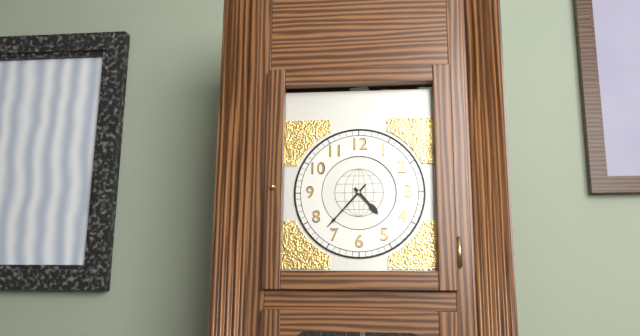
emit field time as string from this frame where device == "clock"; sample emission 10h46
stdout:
4h37
